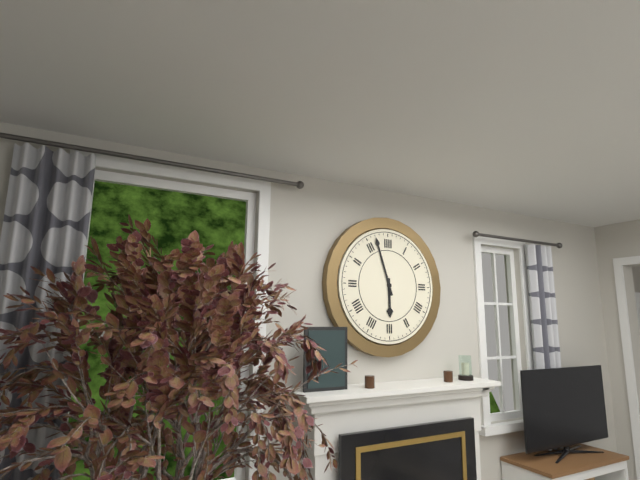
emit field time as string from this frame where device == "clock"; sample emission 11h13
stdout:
5h57
